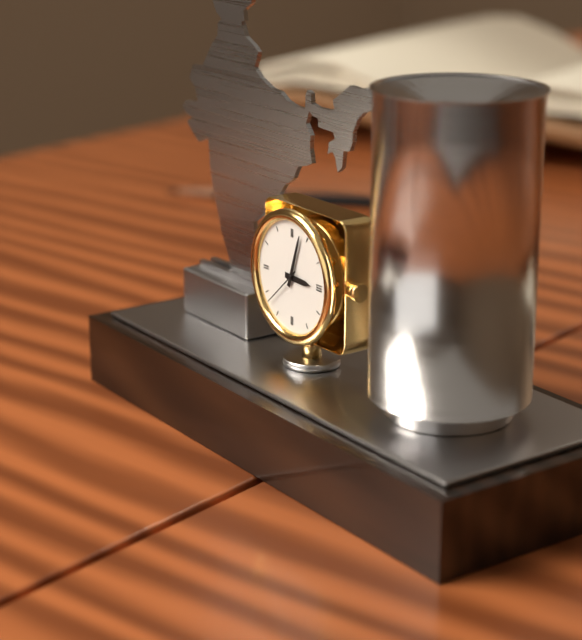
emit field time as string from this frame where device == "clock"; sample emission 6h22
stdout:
3h03
